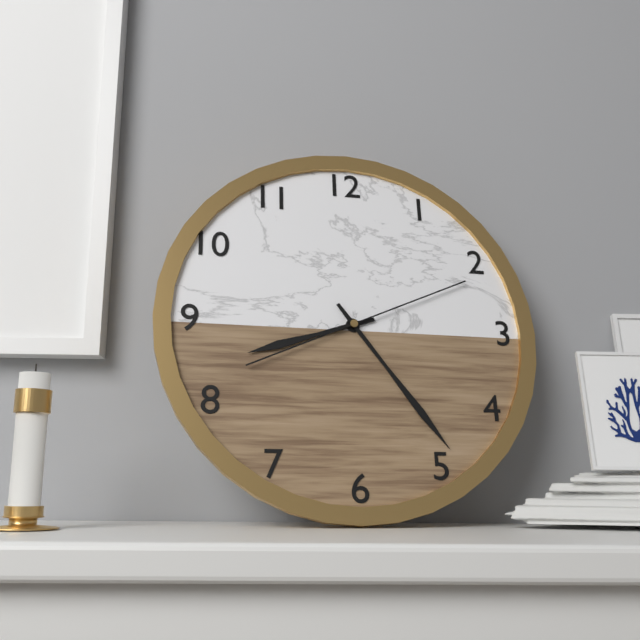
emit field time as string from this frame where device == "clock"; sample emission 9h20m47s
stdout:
8h24m11s
